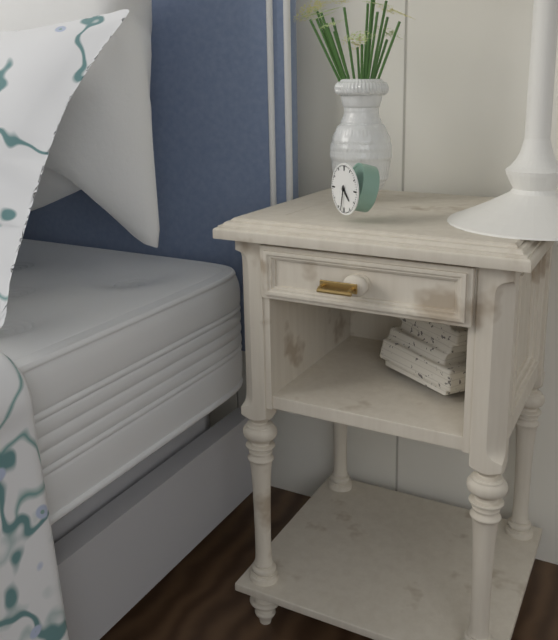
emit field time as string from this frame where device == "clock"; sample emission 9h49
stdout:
4h32
